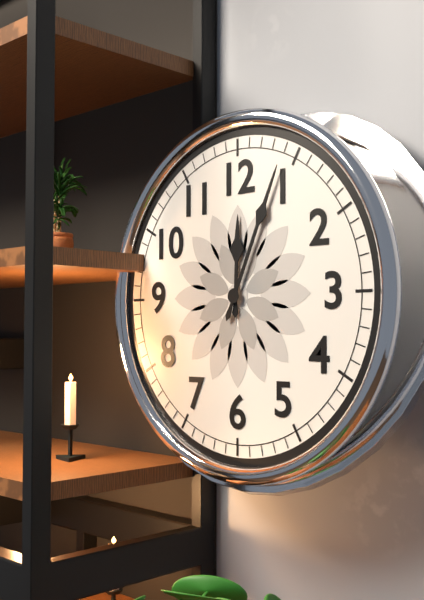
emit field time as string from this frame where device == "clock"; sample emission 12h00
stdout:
12h04
